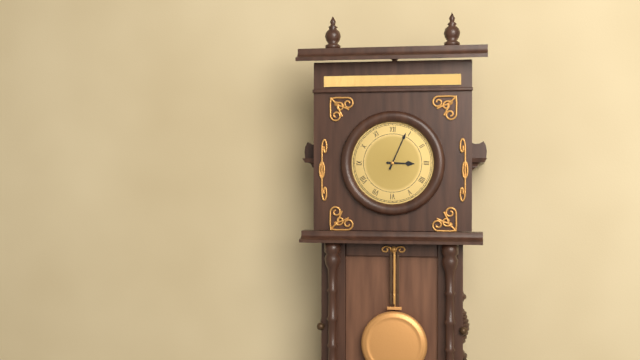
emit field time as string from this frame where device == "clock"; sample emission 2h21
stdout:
3h04
